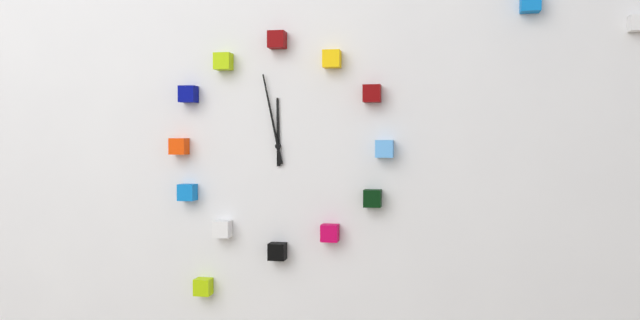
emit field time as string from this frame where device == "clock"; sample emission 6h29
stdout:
11h58
